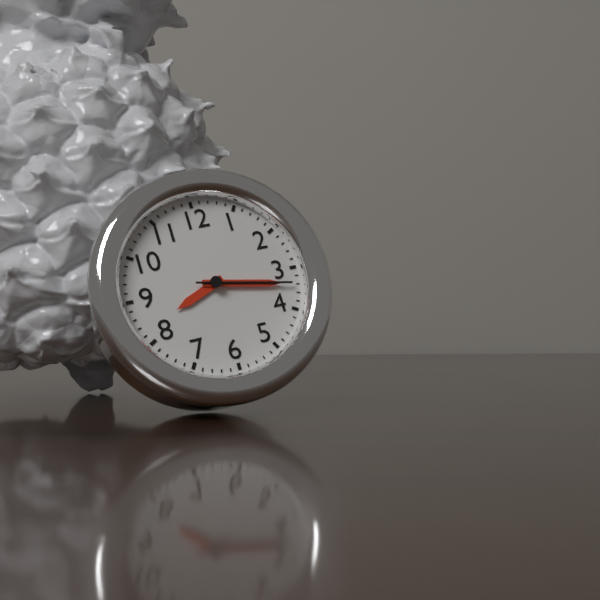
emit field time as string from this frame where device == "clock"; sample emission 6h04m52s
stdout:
8h17m17s
